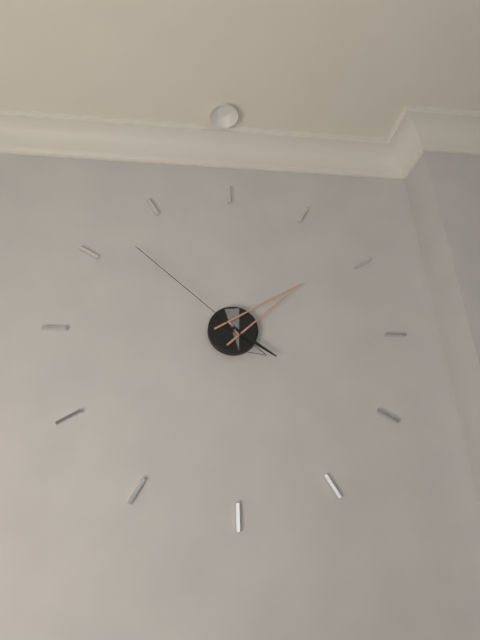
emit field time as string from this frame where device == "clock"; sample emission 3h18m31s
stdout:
4h09m52s
